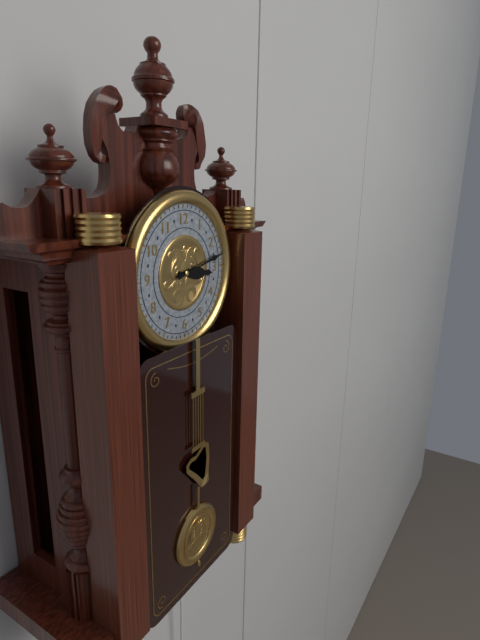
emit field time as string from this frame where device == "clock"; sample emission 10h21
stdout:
3h13
